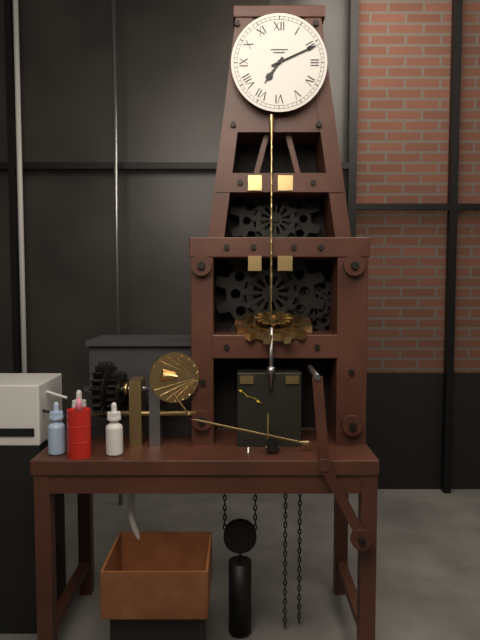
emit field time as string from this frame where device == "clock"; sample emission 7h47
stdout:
7h11
